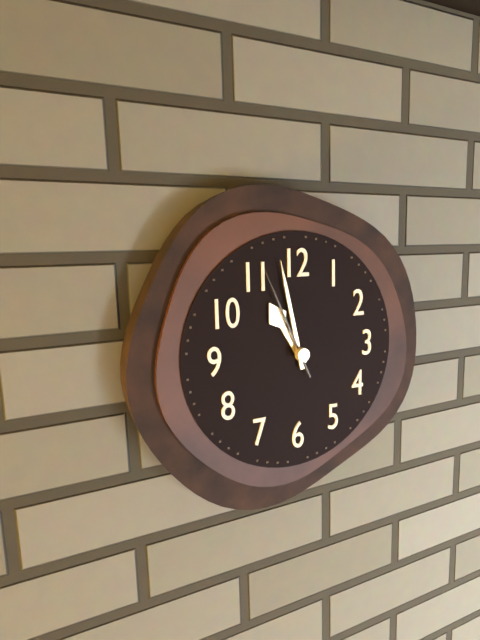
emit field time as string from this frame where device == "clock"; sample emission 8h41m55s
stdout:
10h58m56s
